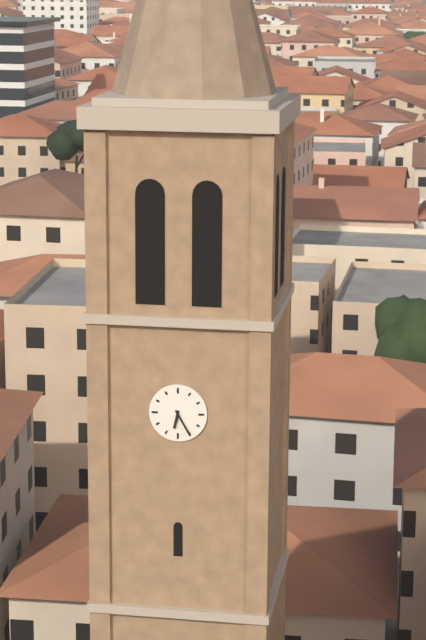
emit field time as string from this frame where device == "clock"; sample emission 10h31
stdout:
6h25
